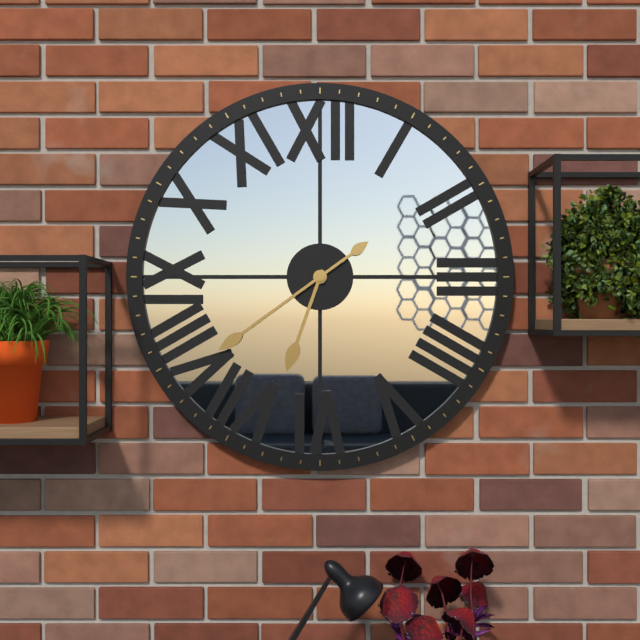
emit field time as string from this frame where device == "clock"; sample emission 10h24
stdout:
6h39
